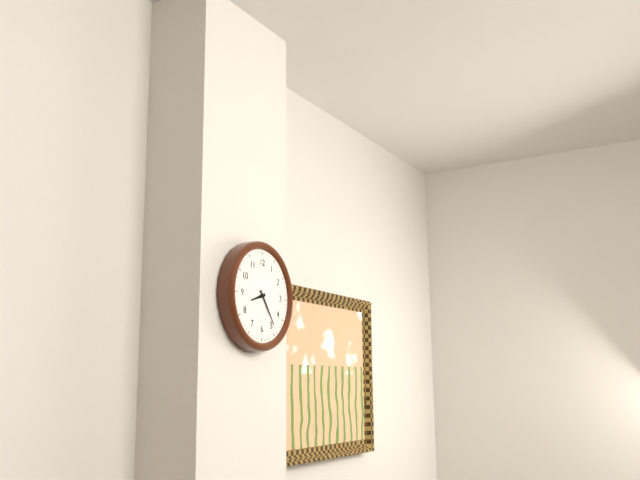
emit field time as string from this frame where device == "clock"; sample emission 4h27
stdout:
8h24
